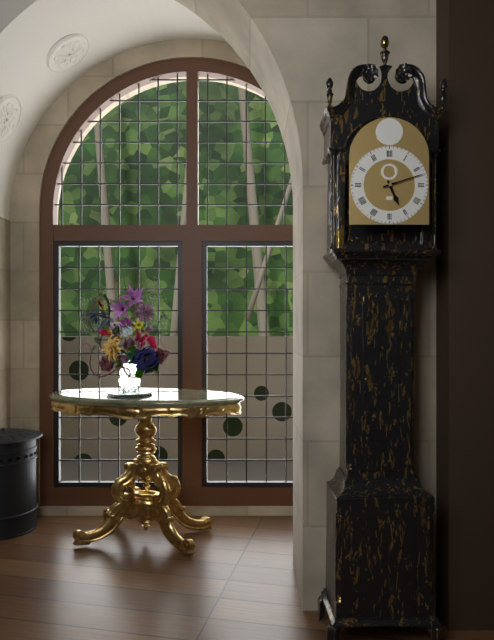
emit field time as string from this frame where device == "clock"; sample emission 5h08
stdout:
5h12
